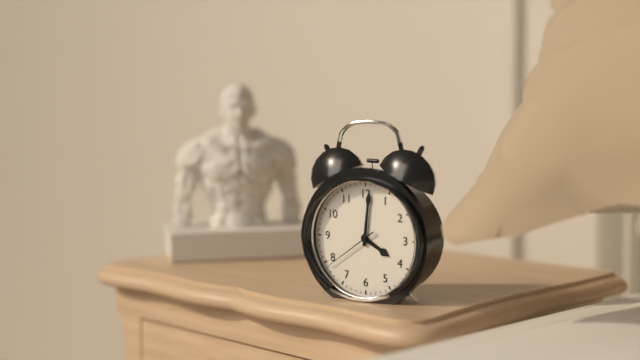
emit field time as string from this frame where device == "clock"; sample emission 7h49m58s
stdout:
4h01m39s
